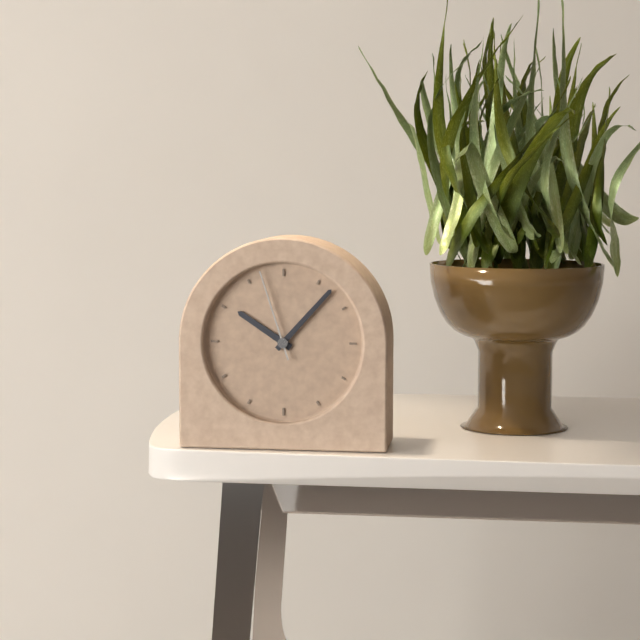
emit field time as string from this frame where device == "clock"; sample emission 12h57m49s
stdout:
10h07m57s
